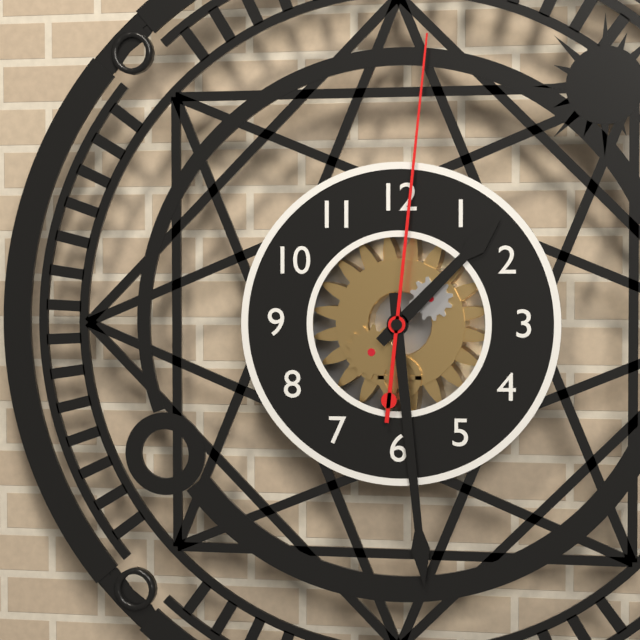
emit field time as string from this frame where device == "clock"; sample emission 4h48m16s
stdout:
1h29m01s
